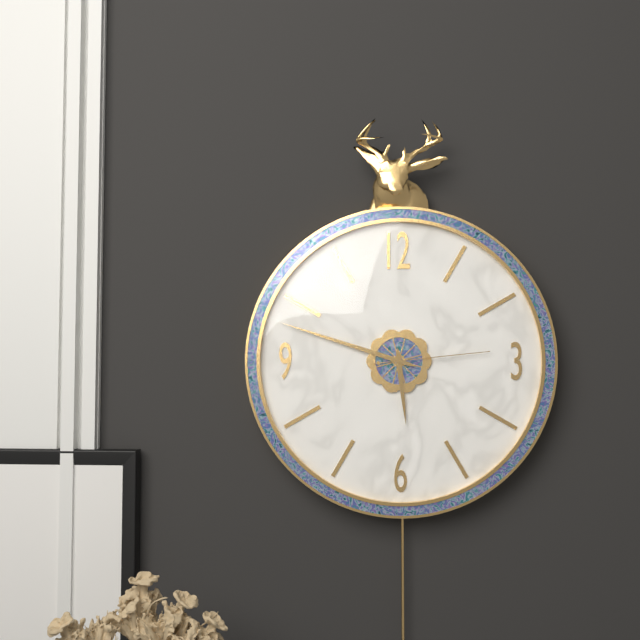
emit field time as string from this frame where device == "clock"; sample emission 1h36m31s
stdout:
5h48m14s
